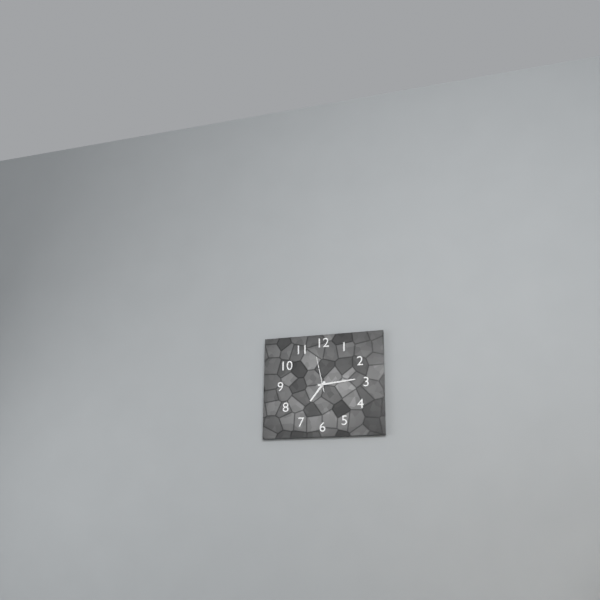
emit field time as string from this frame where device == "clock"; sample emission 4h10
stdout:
7h14
